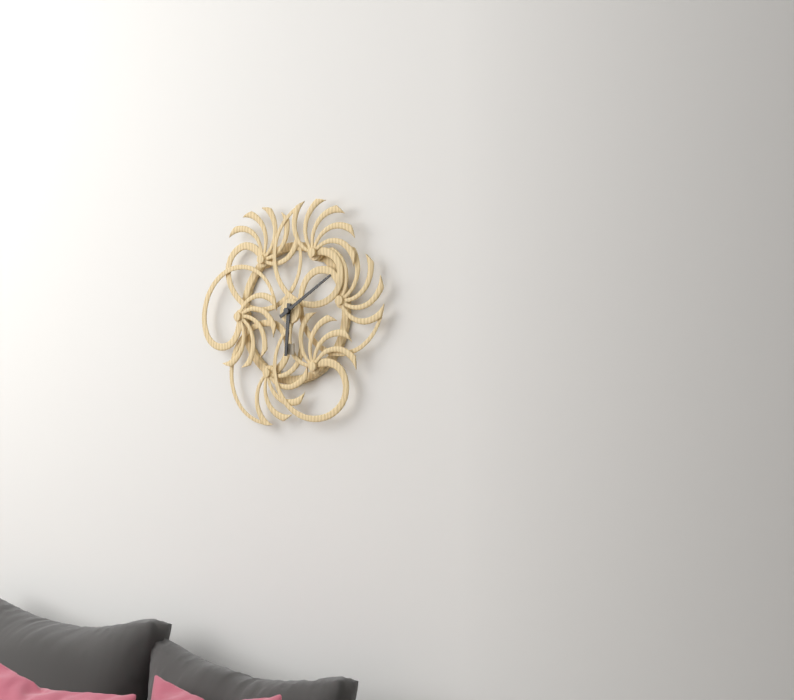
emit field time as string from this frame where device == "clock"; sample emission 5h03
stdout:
6h10
